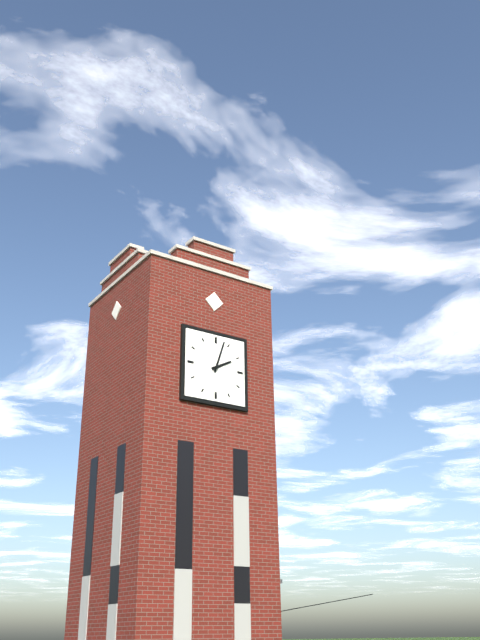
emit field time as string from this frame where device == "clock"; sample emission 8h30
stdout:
2h03
